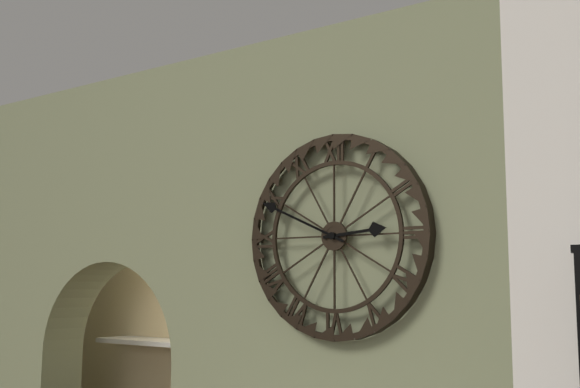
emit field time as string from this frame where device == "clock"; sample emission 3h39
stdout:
2h49
